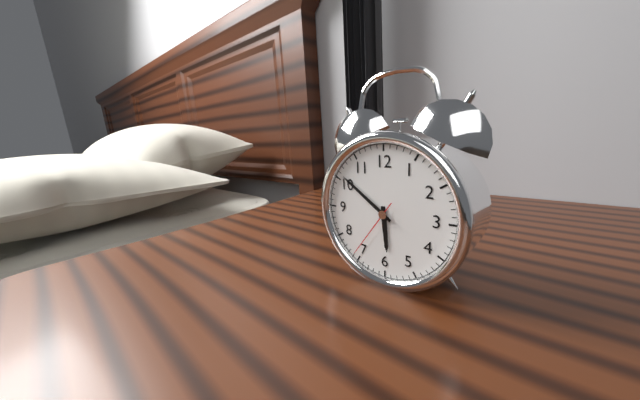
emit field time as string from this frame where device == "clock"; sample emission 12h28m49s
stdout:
5h51m36s
